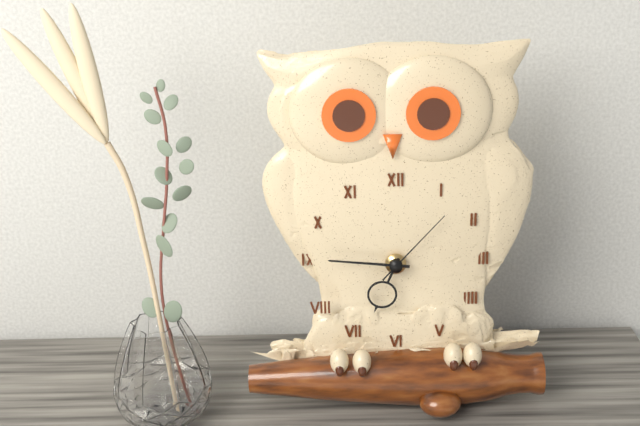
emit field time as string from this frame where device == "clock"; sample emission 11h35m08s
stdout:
6h46m07s
